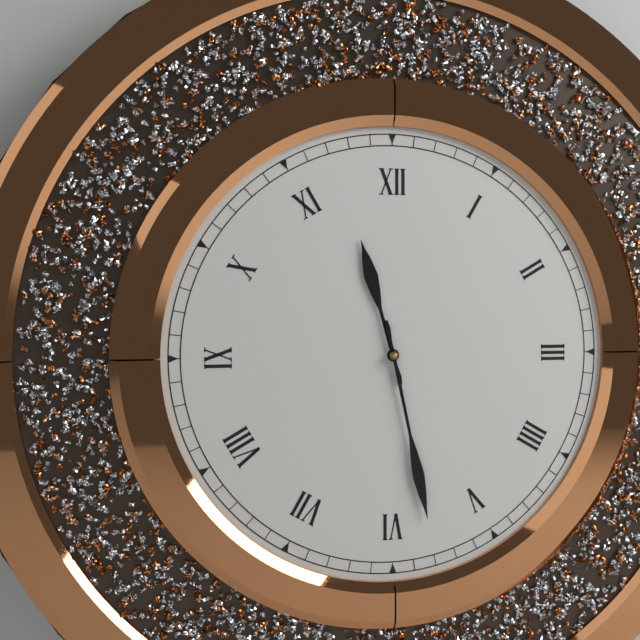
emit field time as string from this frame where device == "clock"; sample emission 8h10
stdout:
11h28
